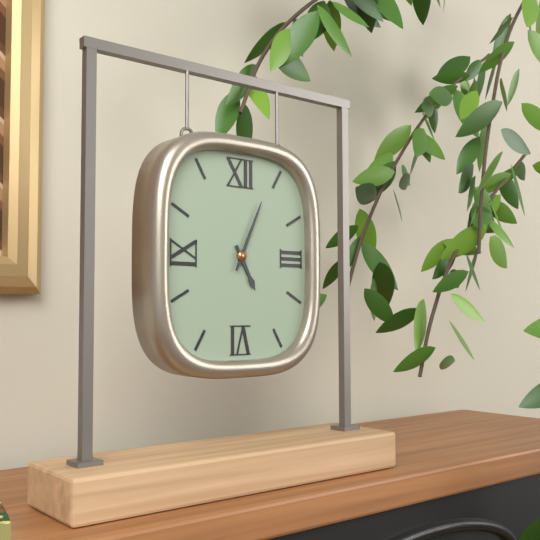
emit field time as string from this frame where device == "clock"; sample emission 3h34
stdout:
5h04
